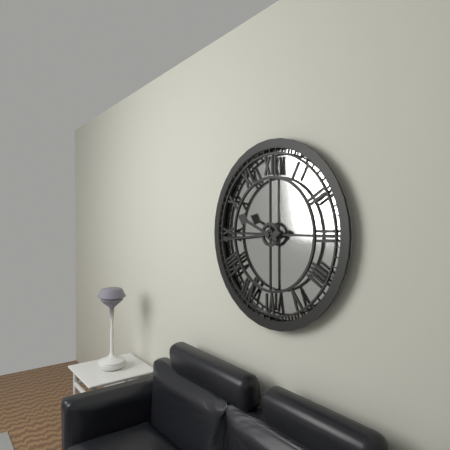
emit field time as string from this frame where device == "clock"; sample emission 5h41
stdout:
9h44
